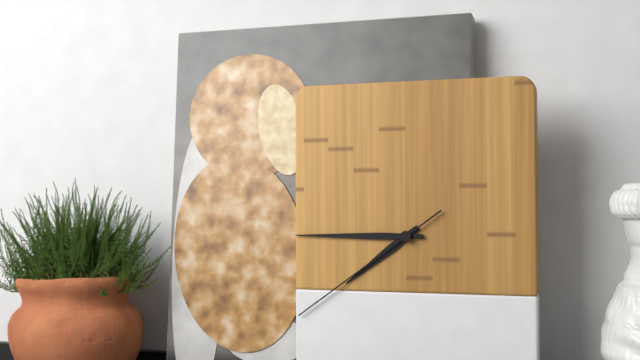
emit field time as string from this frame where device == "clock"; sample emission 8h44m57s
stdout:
7h45m39s
